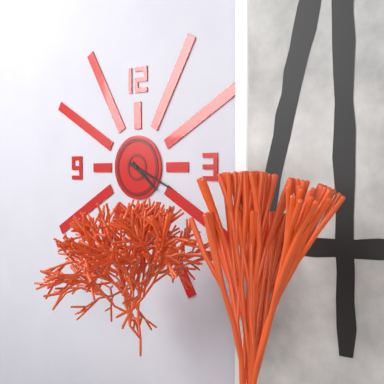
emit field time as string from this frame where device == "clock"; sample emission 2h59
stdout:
4h19
